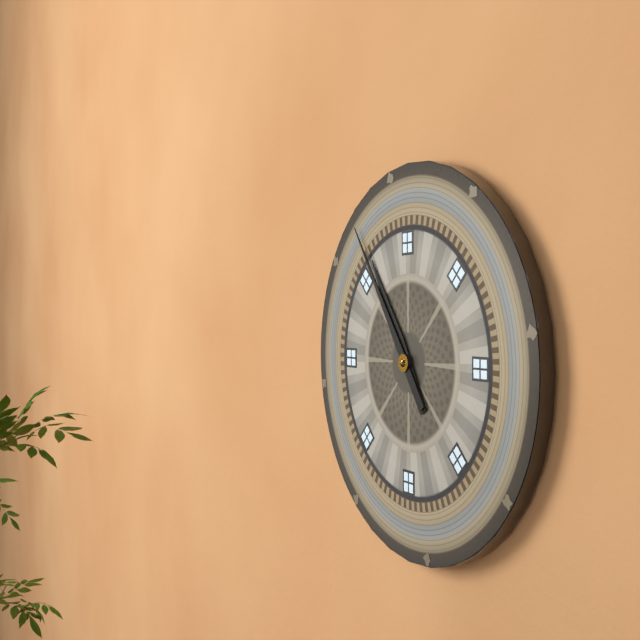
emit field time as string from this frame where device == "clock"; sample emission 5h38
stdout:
10h54
